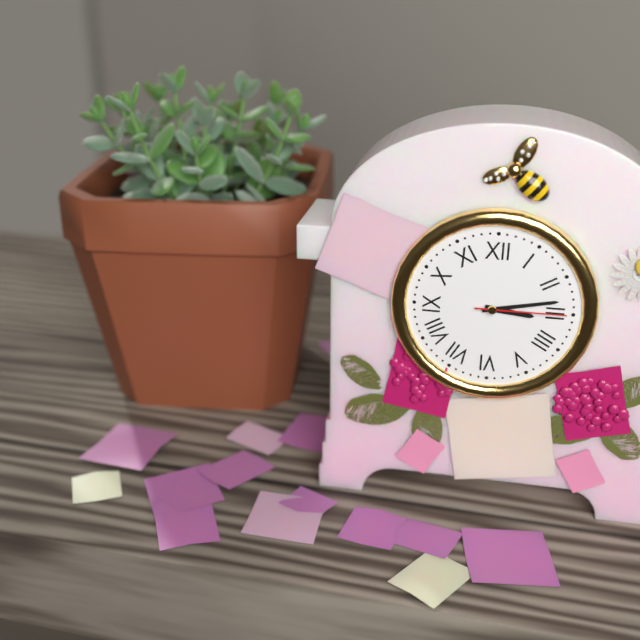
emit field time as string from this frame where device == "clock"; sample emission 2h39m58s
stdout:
3h13m15s
